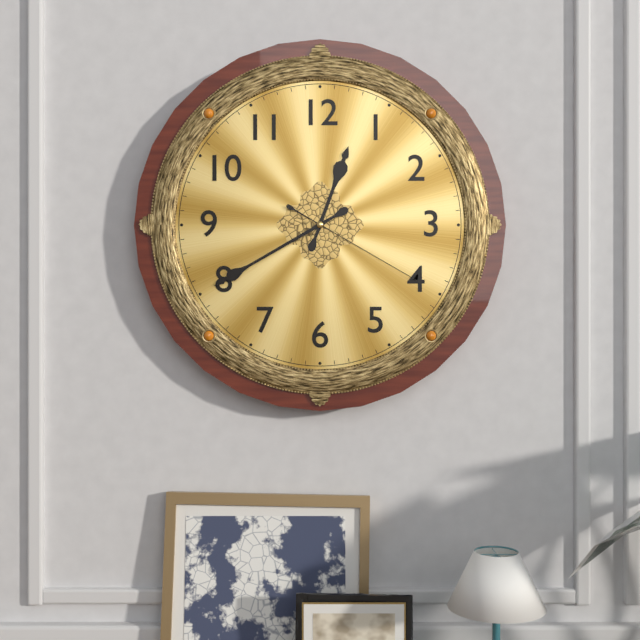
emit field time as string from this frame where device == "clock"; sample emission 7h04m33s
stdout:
12h40m20s
